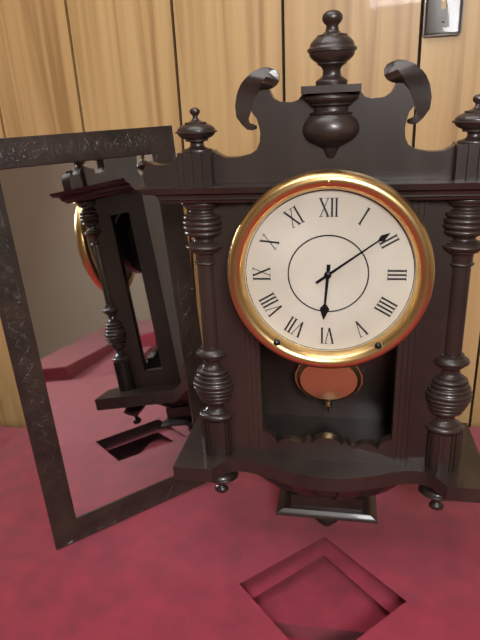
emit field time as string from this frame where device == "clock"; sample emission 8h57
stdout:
6h09
